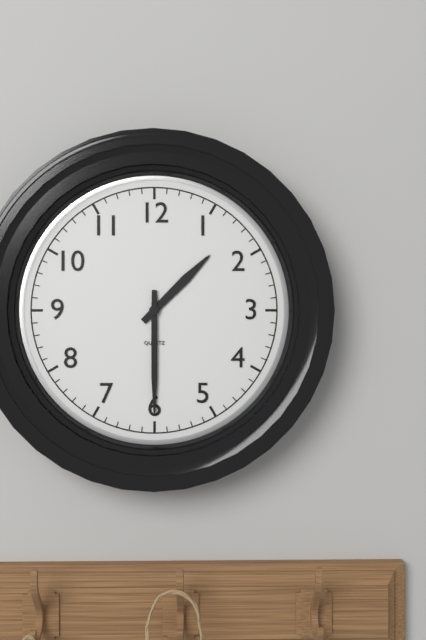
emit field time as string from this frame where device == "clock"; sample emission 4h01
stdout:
1h30
